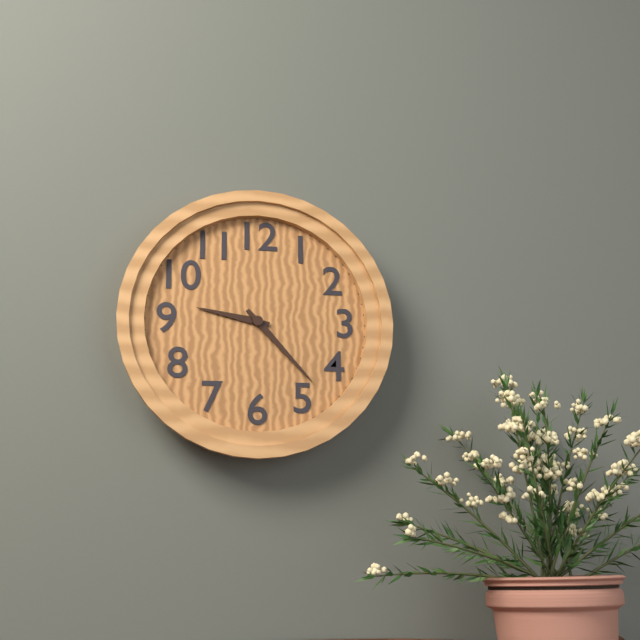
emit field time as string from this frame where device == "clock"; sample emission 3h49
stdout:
9h23
